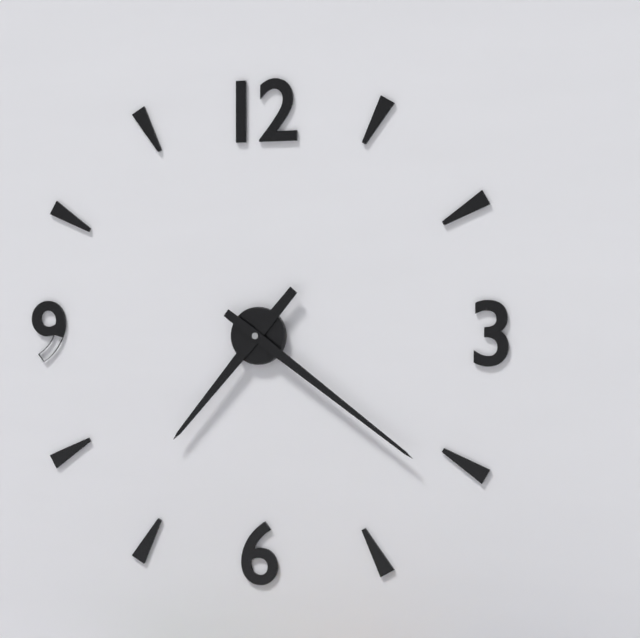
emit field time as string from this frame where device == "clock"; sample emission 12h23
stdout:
7h21
